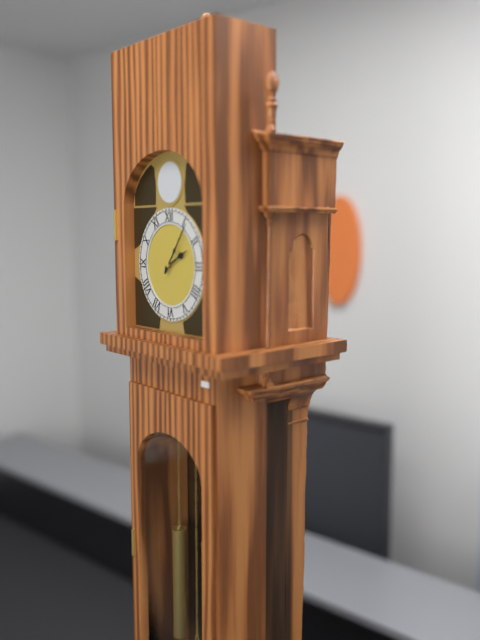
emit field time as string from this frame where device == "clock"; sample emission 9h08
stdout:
2h06
